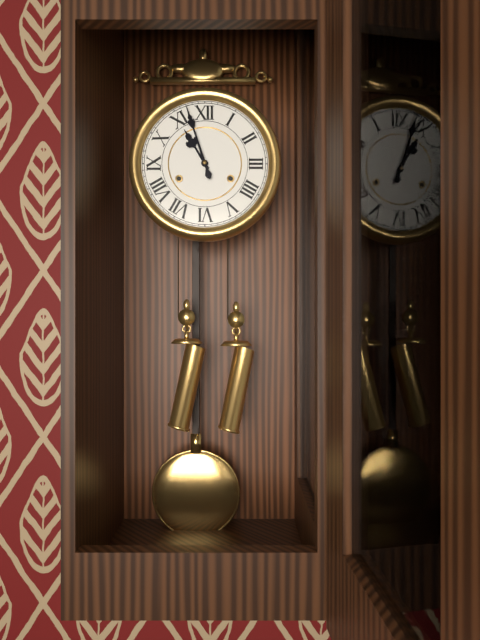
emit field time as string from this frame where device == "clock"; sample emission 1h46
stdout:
10h57
